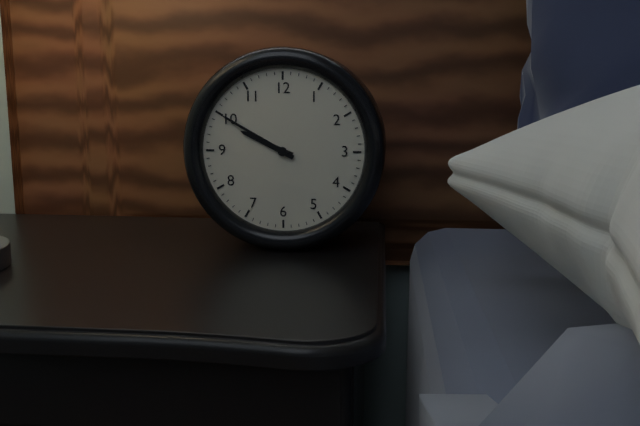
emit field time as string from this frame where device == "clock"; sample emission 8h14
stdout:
9h50
